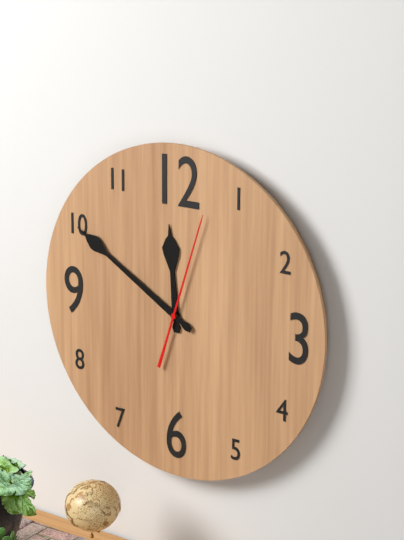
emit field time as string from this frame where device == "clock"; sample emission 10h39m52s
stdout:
11h50m03s
